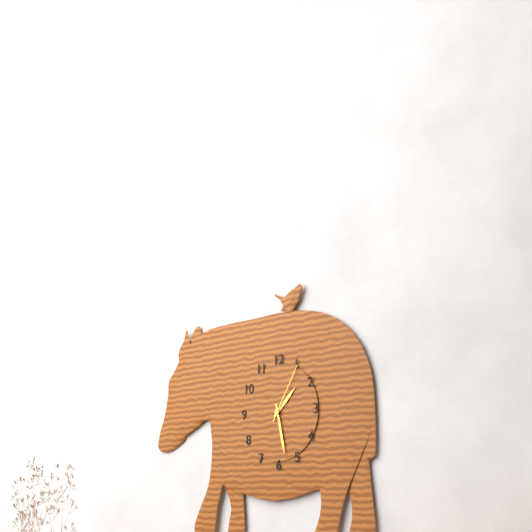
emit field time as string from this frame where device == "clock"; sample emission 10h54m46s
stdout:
1h28m05s
